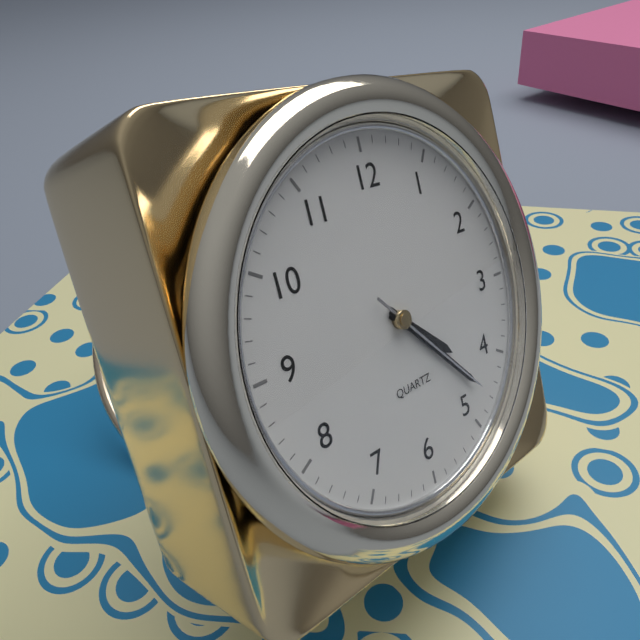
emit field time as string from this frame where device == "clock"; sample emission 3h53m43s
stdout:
4h23m23s
